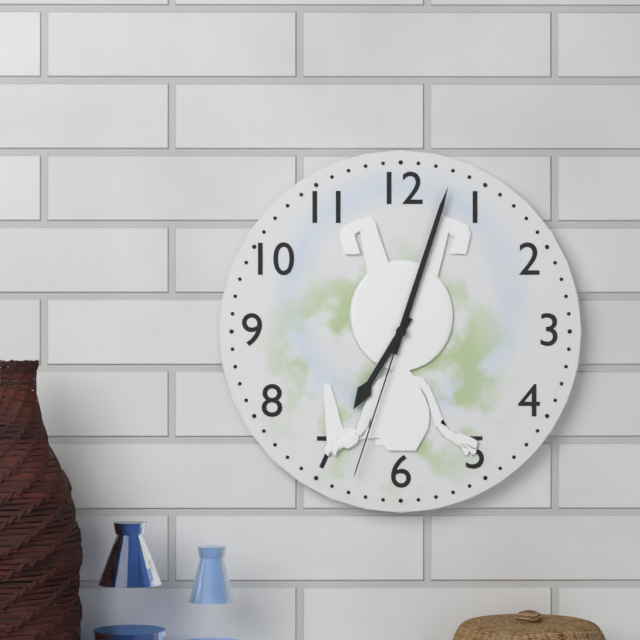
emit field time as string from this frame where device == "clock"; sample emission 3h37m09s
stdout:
7h03m33s
